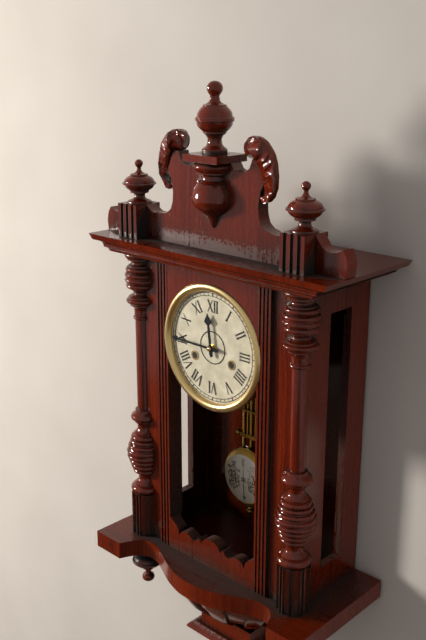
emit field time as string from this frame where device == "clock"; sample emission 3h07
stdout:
11h45
